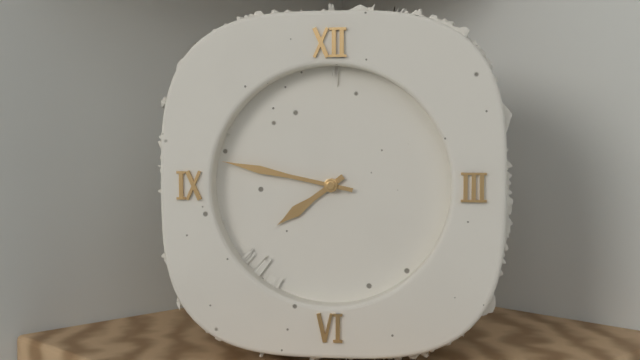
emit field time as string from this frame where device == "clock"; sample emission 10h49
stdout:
7h47
